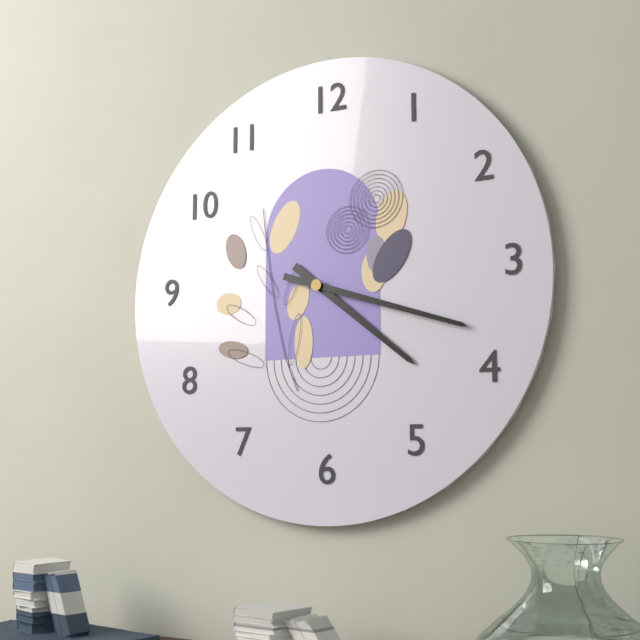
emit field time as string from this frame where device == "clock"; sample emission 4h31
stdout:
4h18
